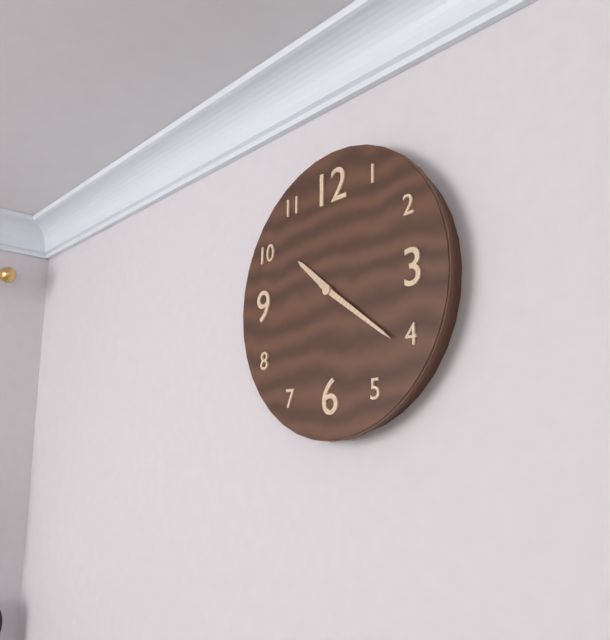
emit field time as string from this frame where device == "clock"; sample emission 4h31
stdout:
10h21
